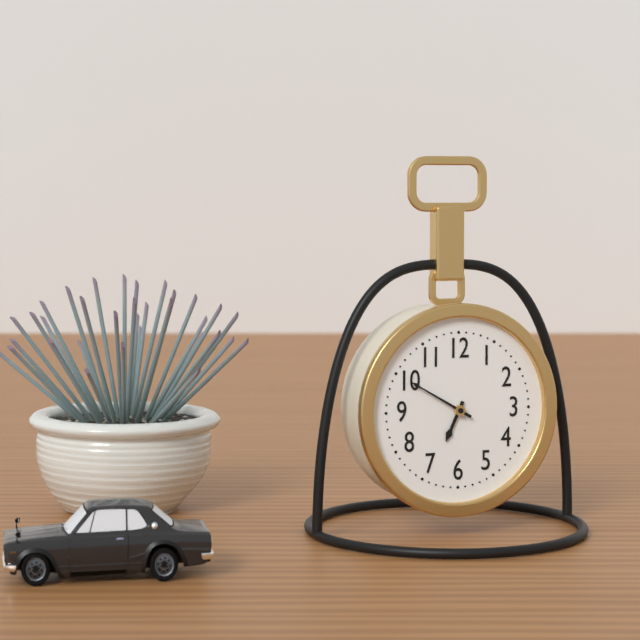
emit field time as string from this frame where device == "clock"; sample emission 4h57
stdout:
6h50
